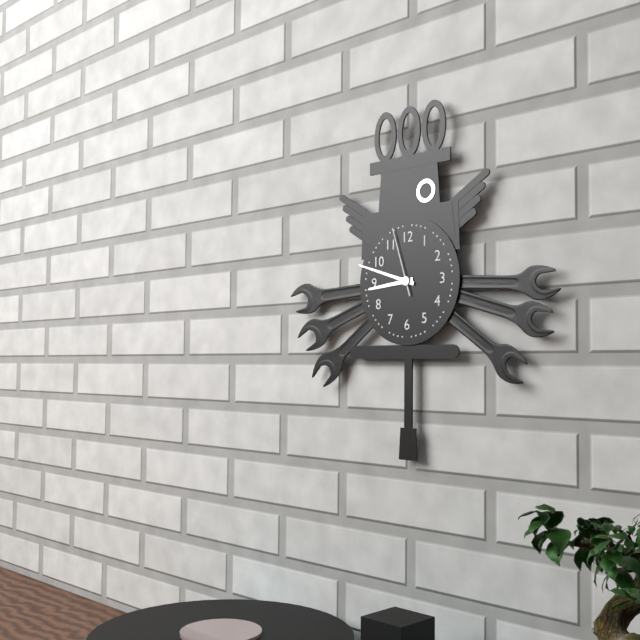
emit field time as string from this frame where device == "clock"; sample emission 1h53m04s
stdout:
8h48m57s
